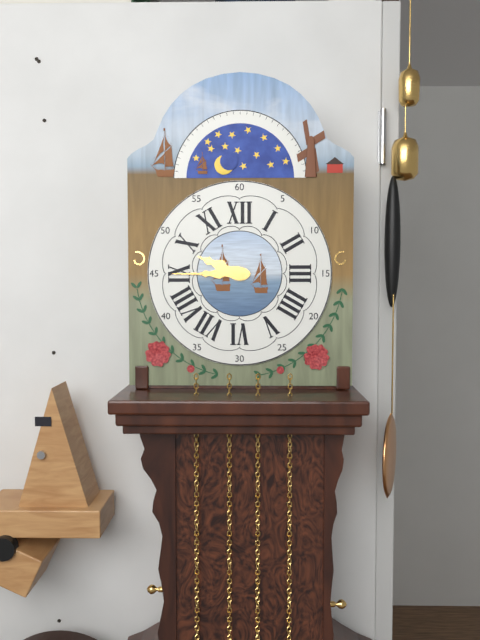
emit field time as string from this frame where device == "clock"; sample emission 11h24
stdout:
9h45
